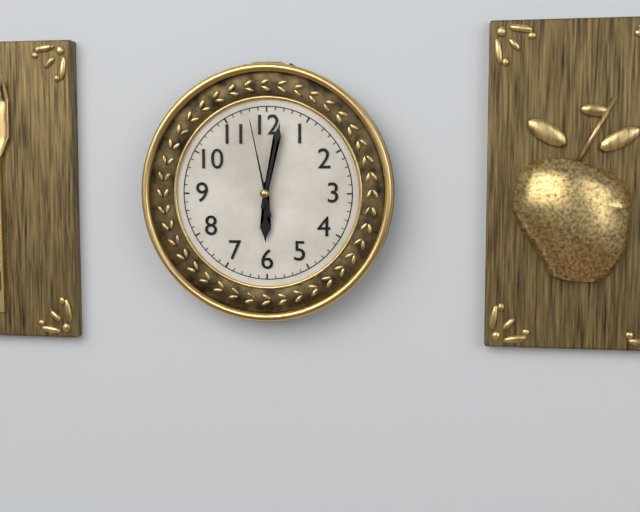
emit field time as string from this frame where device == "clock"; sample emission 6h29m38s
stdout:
6h02m58s
